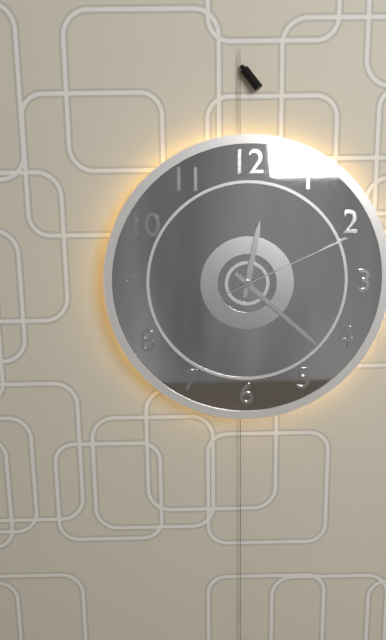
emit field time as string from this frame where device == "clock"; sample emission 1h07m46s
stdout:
12h22m11s
